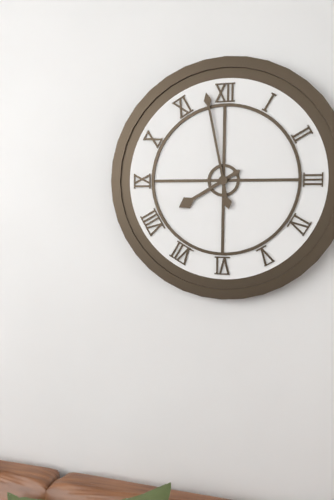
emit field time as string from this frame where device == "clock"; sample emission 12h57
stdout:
7h58
